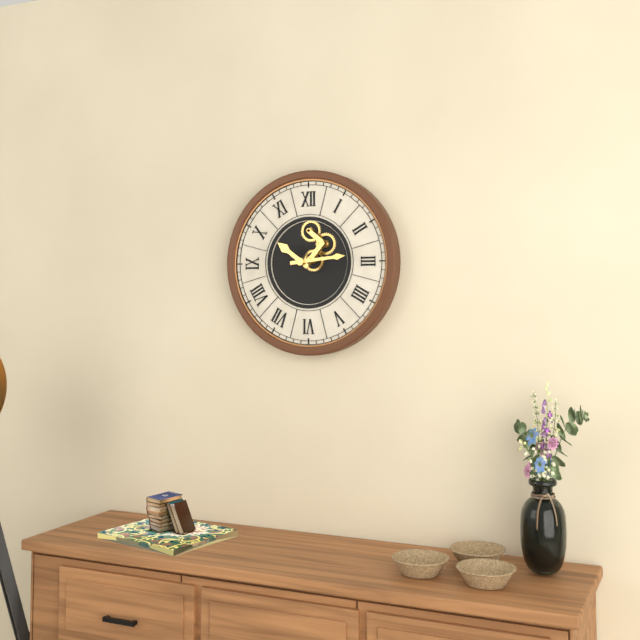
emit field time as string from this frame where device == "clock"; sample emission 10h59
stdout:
10h14
